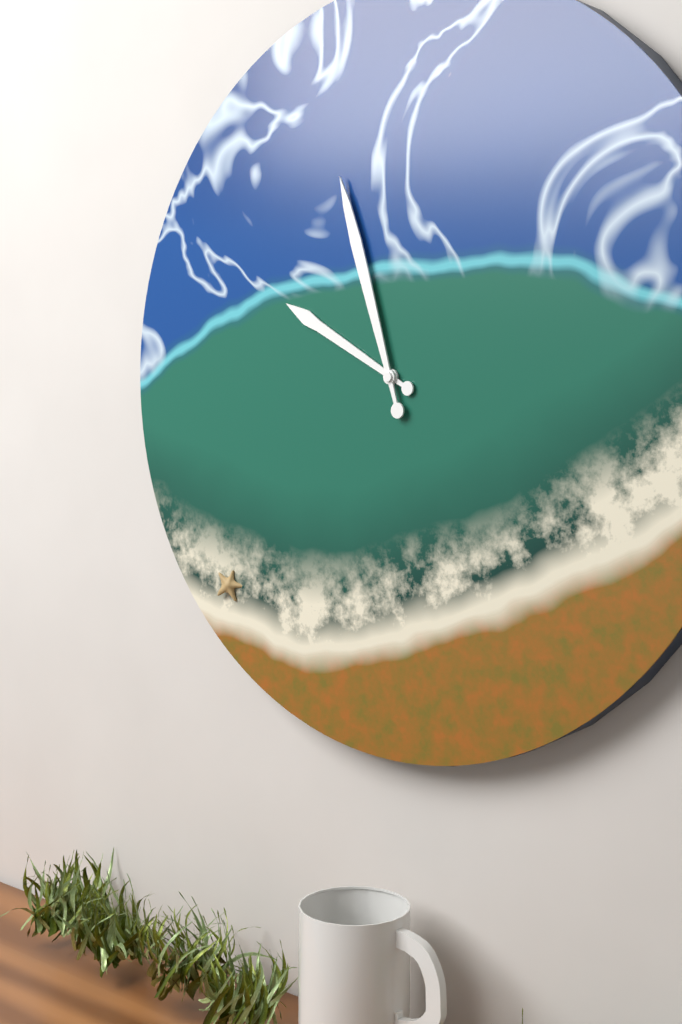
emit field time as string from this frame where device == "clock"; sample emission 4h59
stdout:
9h57
